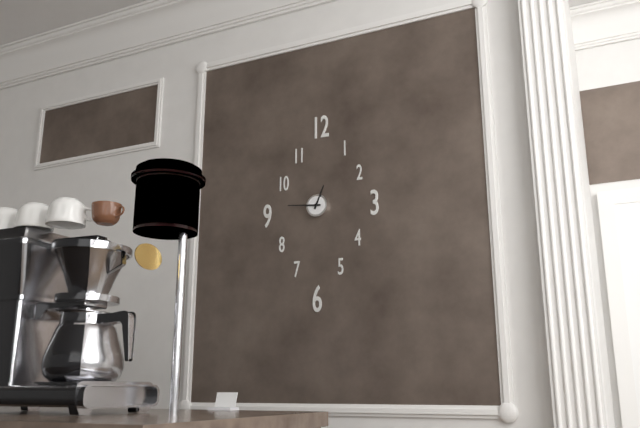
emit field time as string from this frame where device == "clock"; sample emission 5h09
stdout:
12h46
